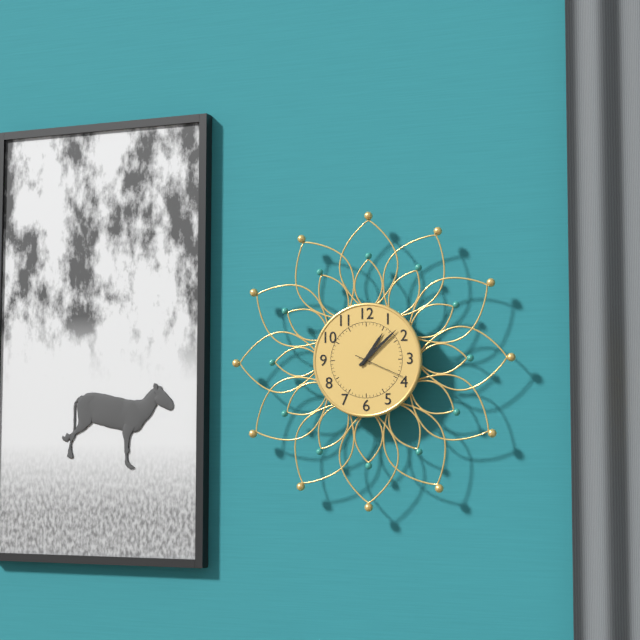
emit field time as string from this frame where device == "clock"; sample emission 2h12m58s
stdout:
1h08m19s
